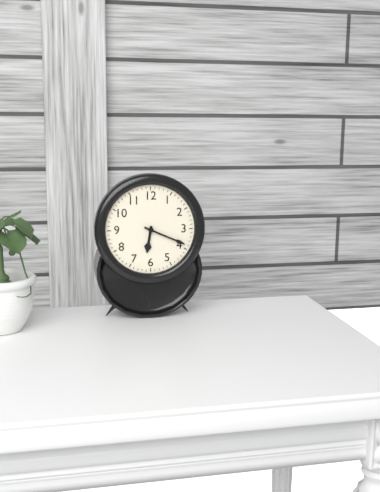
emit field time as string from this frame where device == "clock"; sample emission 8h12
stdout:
6h19
